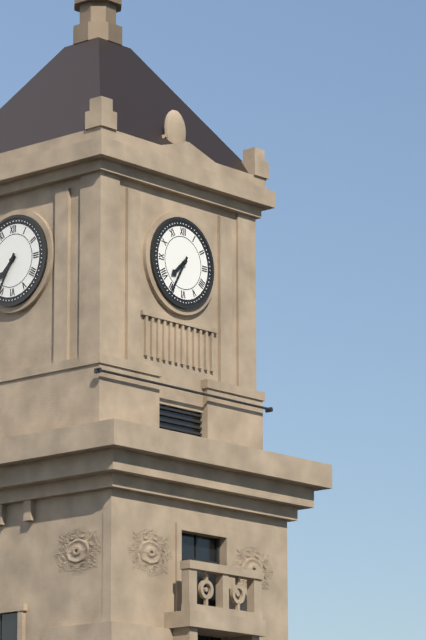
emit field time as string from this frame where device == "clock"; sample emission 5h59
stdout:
7h35
